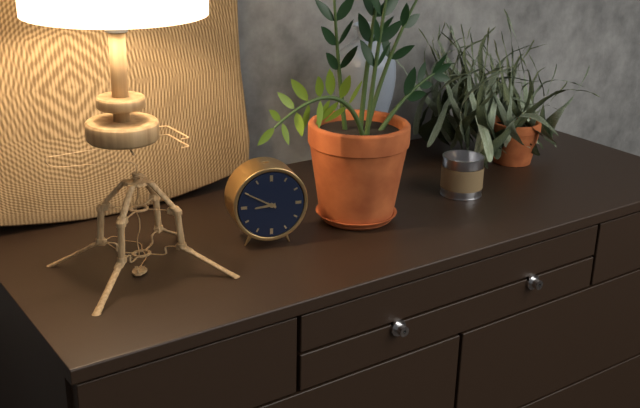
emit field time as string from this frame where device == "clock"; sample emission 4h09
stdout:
8h50
